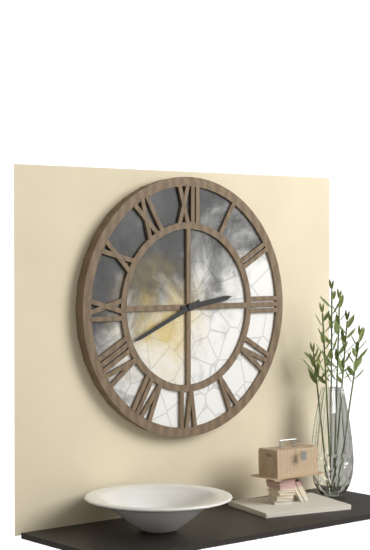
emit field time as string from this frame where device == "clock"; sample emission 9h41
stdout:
2h41
